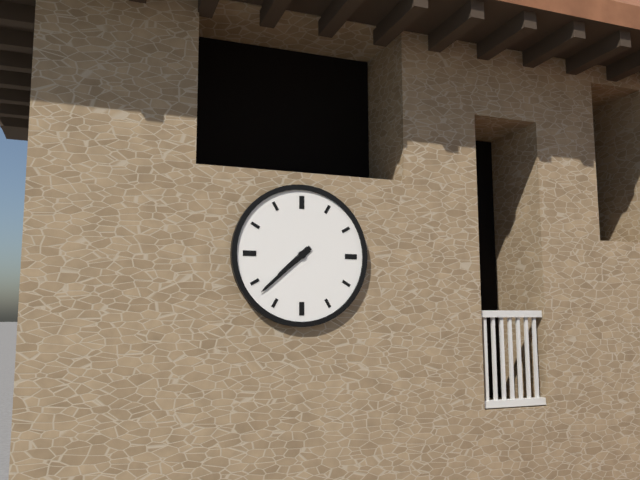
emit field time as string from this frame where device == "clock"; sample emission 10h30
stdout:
7h38
